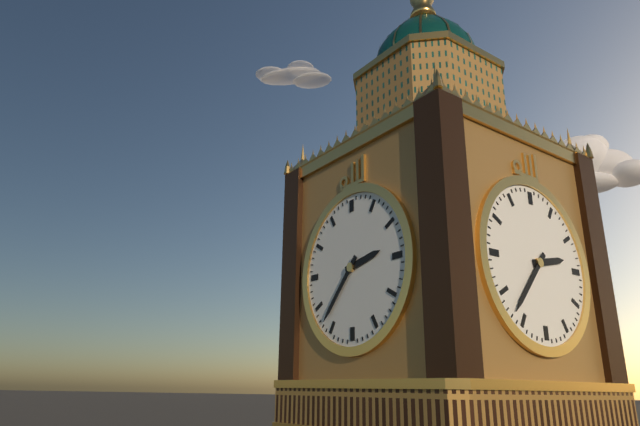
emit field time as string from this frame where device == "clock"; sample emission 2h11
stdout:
2h37
